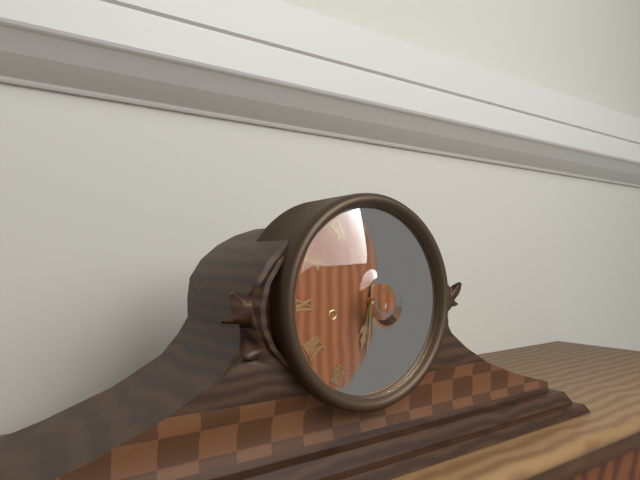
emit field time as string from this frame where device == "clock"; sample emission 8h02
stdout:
6h31
